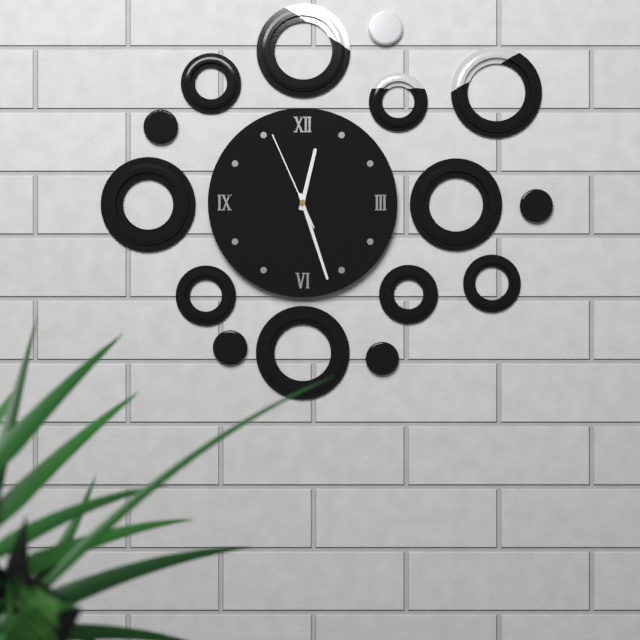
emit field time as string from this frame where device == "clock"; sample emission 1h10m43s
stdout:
12h27m56s
